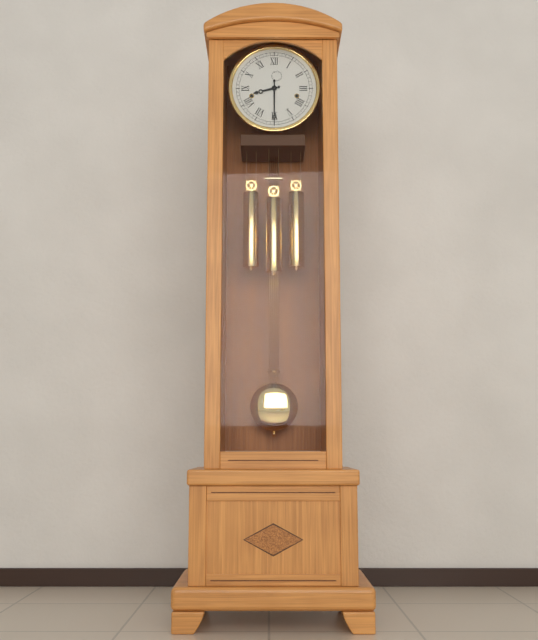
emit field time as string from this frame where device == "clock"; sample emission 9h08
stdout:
8h30
